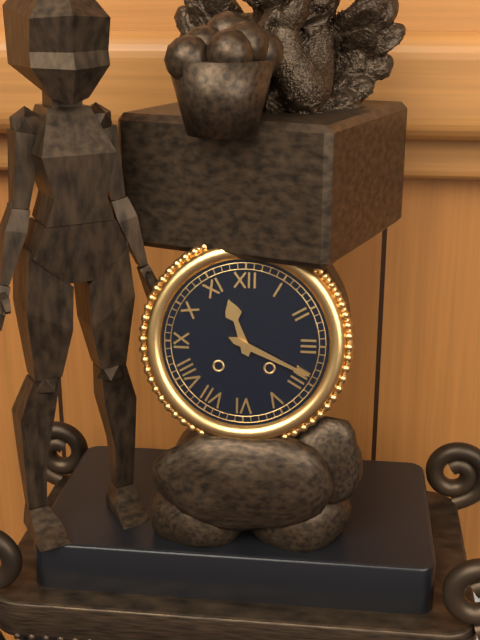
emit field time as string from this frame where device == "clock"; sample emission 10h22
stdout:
11h19
